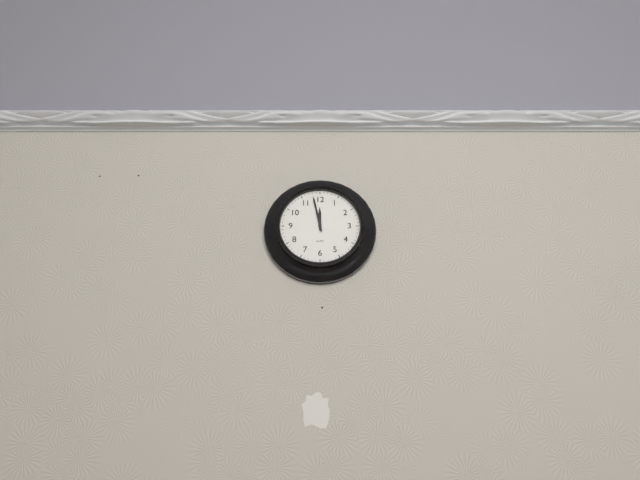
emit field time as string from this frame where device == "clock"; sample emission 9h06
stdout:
11h58
